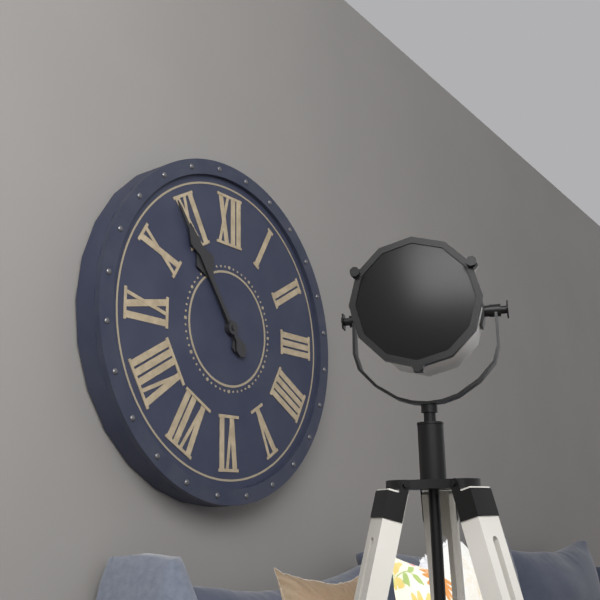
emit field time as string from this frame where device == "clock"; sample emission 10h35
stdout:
10h54
